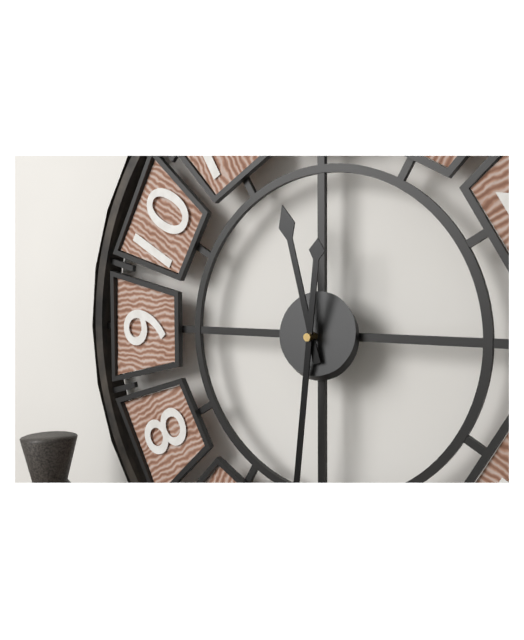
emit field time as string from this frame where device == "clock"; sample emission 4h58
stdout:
11h31
